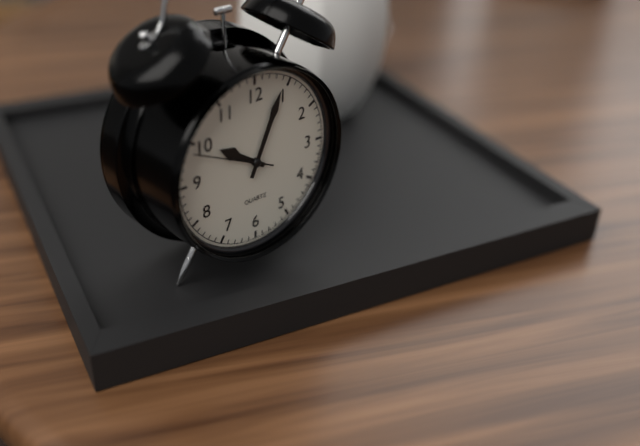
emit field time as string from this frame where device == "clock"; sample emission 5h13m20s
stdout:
10h04m49s
